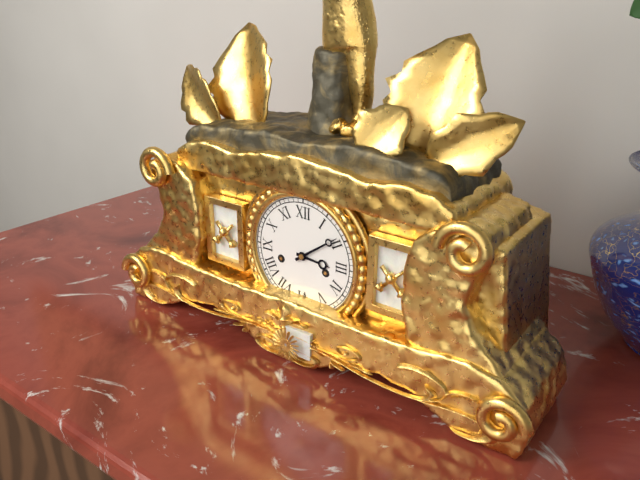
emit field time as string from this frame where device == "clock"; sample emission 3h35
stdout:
3h09
